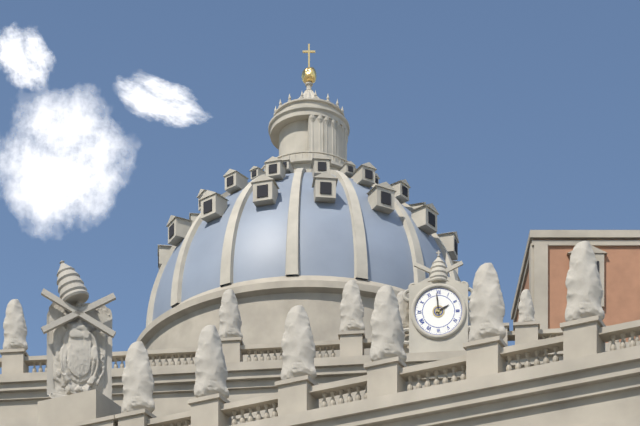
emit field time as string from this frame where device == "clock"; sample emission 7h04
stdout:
1h59
